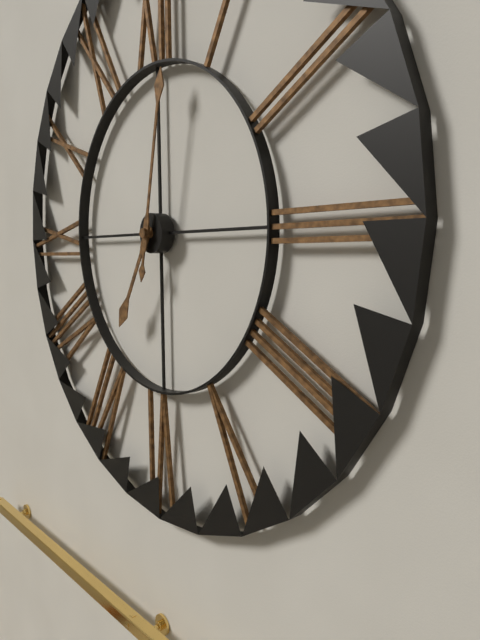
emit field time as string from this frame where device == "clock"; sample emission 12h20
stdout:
7h02
